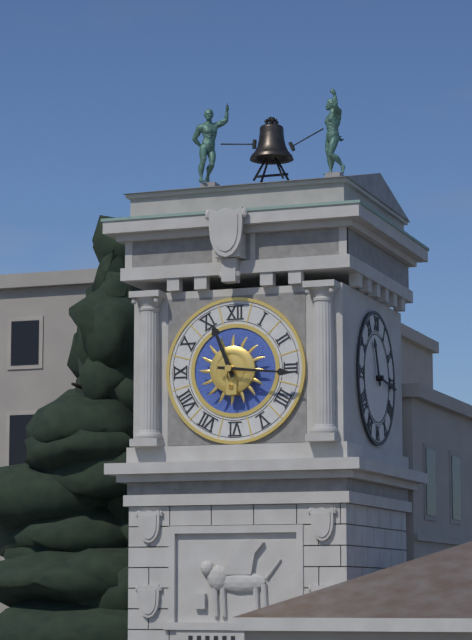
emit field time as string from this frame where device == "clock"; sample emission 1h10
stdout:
11h16
